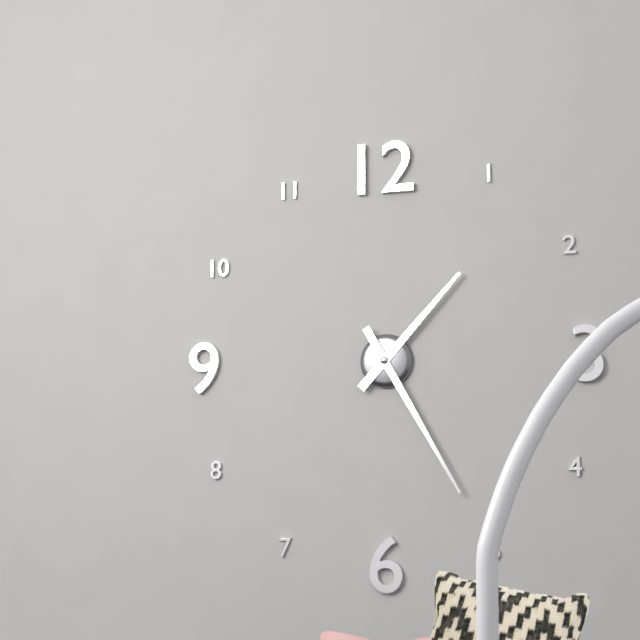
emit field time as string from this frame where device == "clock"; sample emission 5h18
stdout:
1h25
